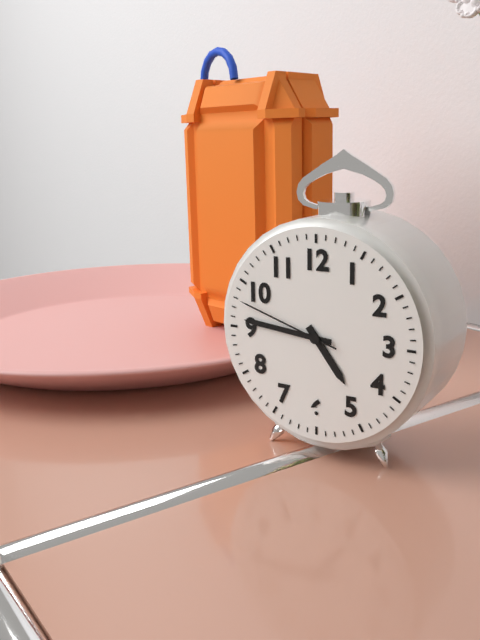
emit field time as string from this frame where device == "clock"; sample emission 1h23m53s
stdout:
4h46m48s
